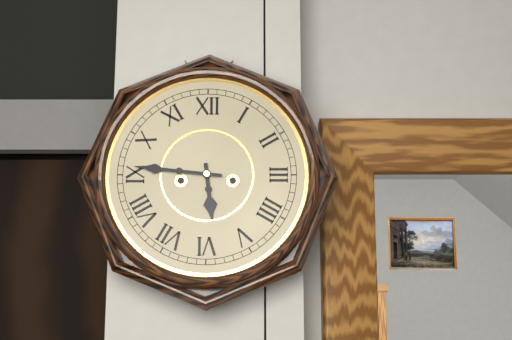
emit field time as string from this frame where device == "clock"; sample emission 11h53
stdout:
5h46
